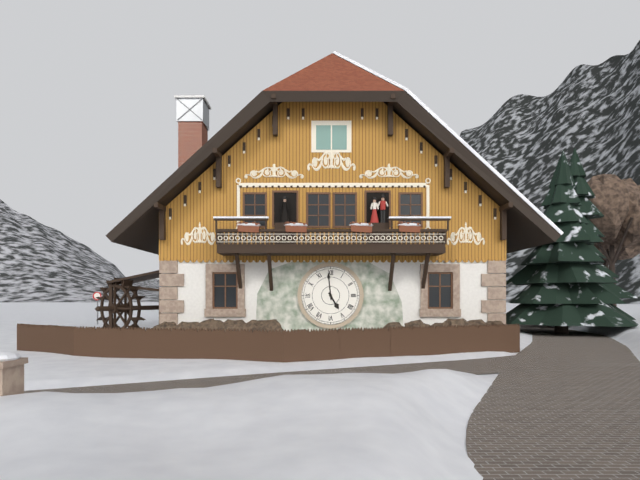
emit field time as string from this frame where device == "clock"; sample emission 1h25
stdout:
4h59
